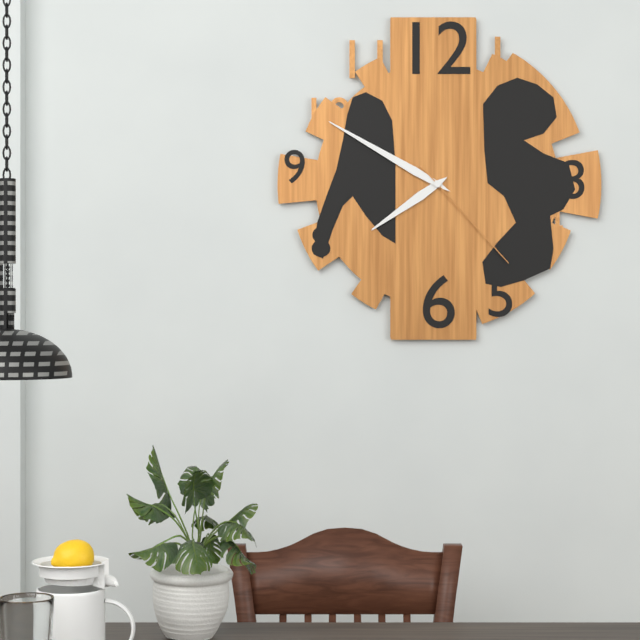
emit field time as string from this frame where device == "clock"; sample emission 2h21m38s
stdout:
7h50m23s
